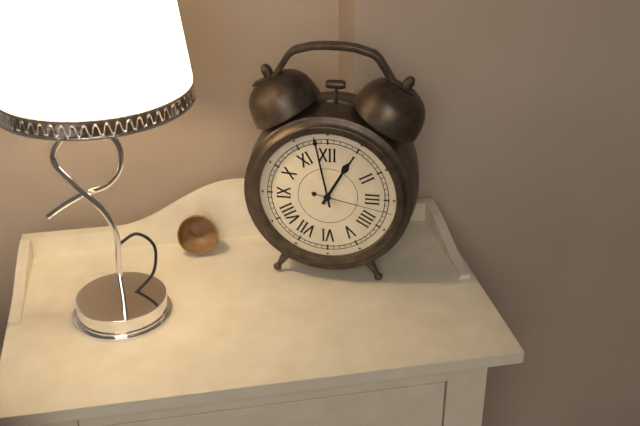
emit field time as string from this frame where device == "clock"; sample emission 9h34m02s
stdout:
12h58m17s
